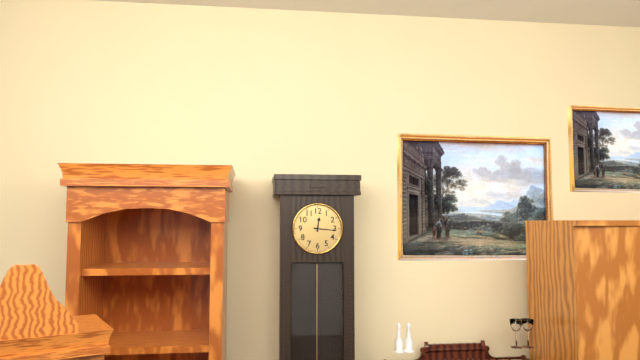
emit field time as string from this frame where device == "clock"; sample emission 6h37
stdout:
12h16
